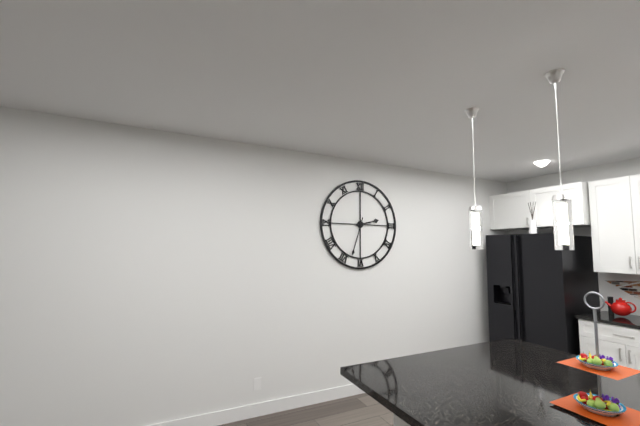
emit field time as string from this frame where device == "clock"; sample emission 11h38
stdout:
2h33
